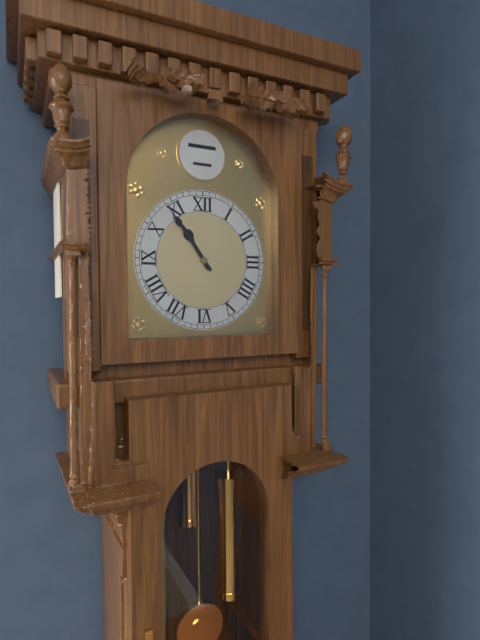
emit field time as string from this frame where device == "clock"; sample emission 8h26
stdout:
10h54
